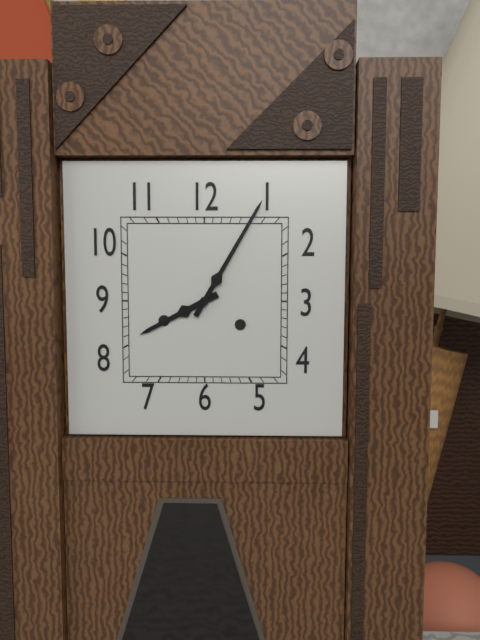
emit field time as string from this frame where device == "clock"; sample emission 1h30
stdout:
8h05
